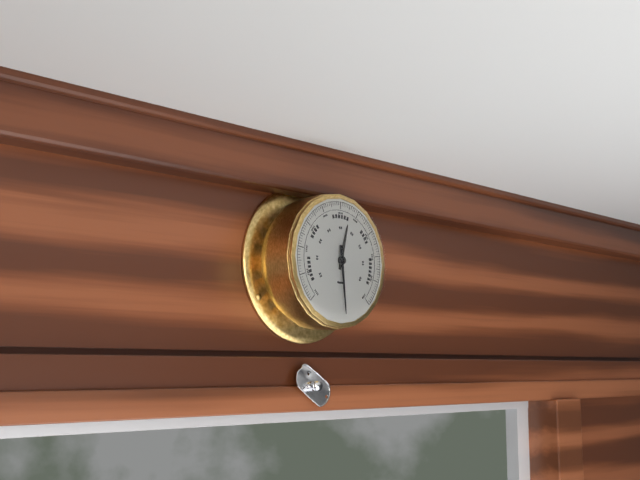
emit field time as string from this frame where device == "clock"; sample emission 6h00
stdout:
12h29
